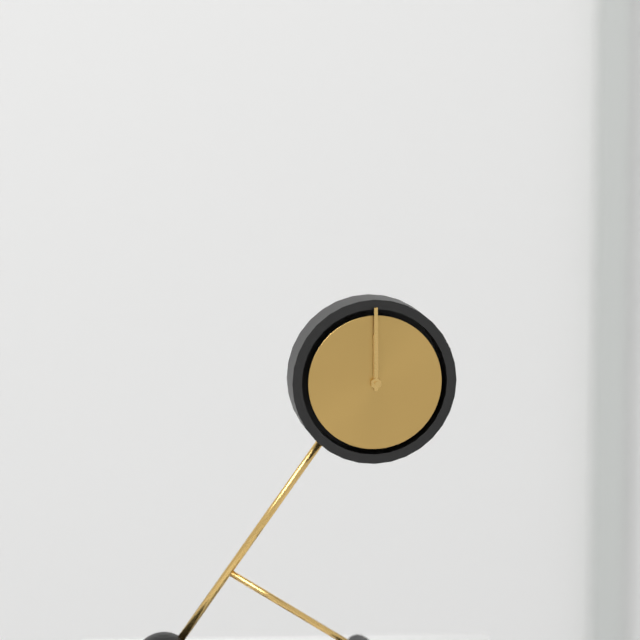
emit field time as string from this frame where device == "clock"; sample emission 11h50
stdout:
12h00
